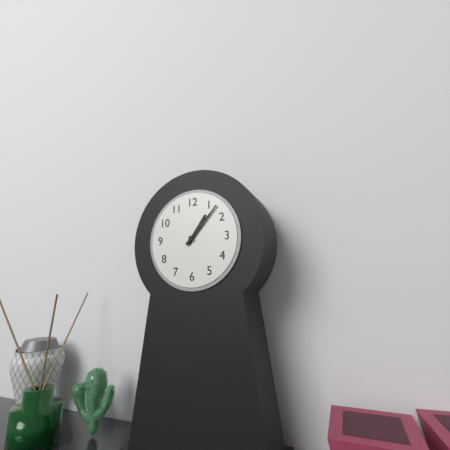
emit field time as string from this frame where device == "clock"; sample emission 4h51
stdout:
1h07
